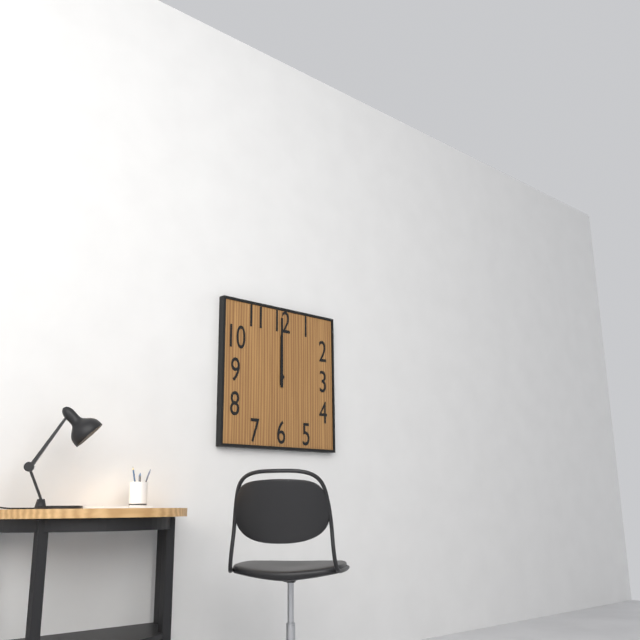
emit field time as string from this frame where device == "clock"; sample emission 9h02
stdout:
12h00
